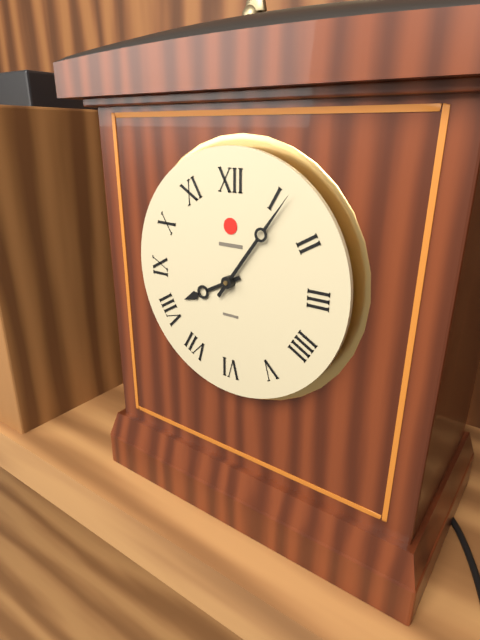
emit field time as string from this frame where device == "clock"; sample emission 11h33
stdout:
8h06
